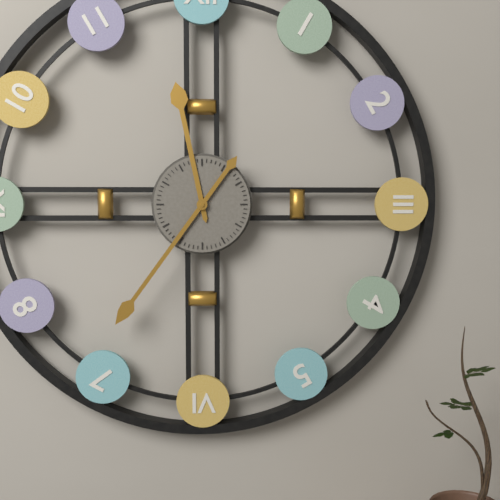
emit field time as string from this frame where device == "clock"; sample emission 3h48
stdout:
11h36
